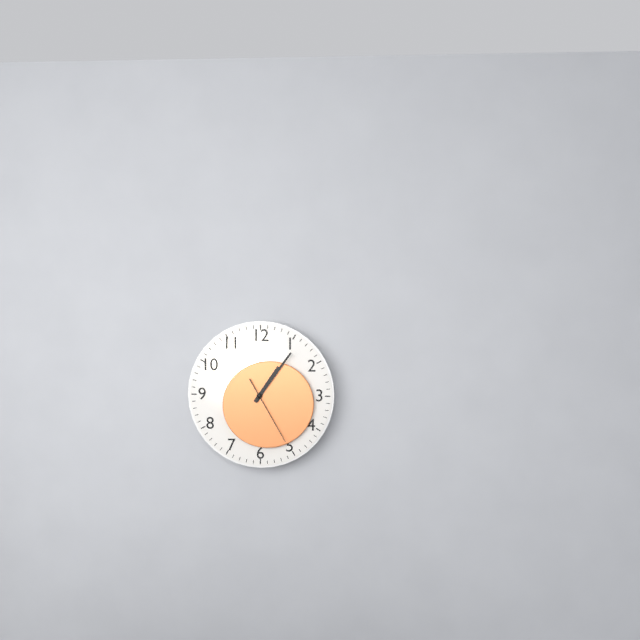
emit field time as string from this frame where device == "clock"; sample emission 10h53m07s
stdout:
1h06m25s
